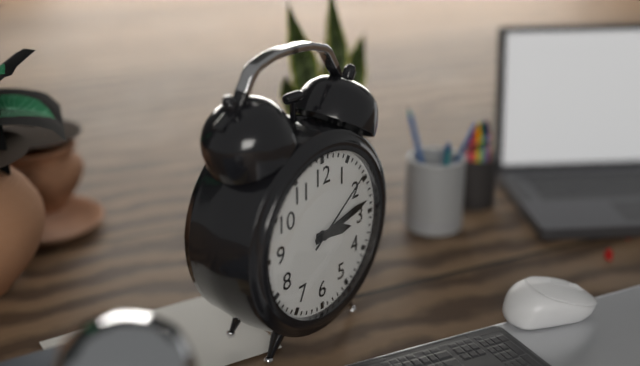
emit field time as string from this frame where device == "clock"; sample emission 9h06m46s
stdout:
3h13m09s
